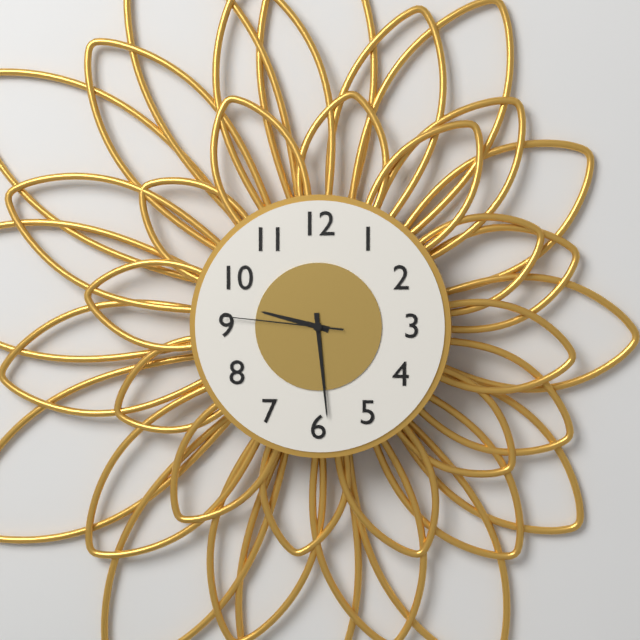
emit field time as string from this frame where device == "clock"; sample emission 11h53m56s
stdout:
9h29m46s
